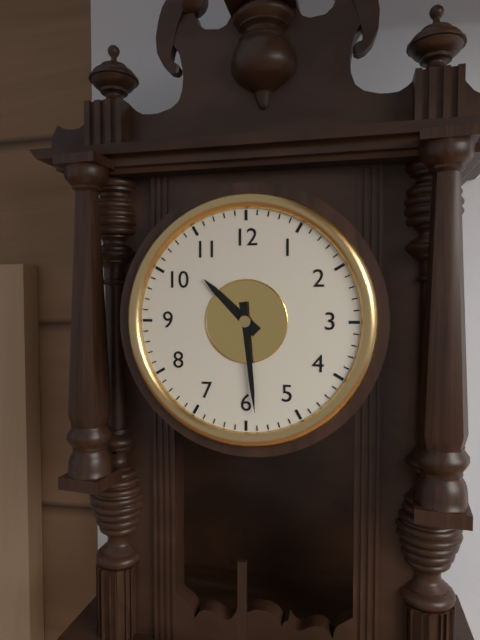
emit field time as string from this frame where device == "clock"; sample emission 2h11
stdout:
10h29
